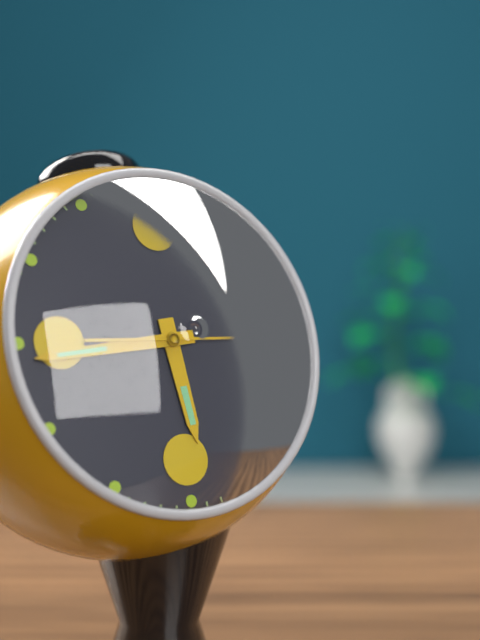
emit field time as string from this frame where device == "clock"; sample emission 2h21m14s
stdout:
5h44m15s
